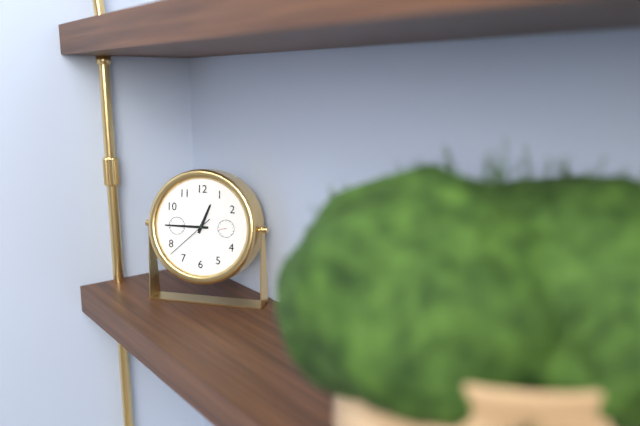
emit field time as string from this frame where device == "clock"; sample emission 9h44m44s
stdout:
12h45m38s
